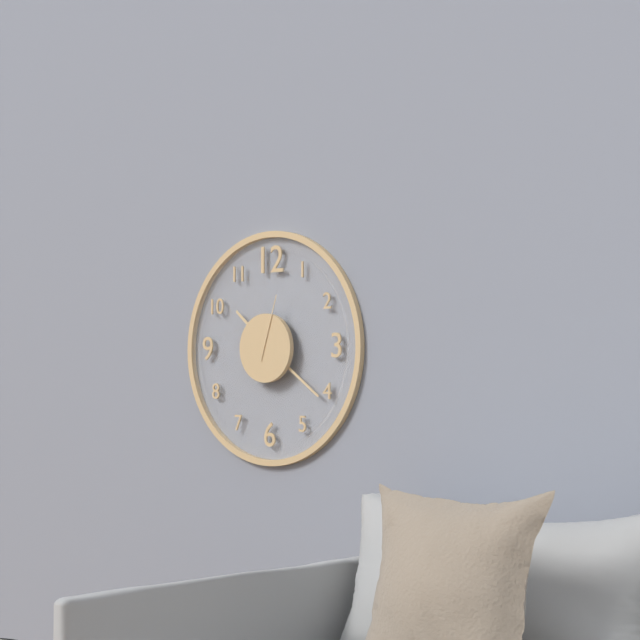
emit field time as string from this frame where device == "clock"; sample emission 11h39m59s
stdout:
10h21m03s
